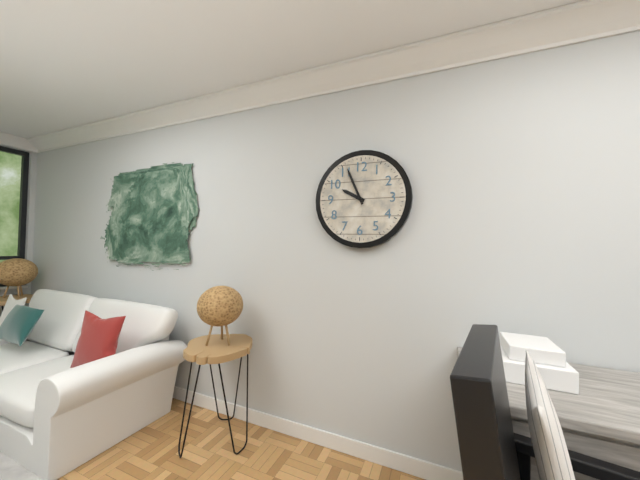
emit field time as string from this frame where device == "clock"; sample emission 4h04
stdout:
9h56
